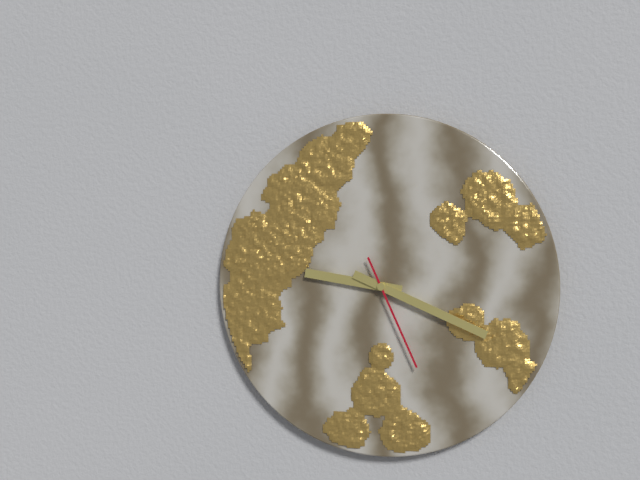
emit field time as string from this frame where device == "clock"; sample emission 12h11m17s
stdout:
9h19m26s
